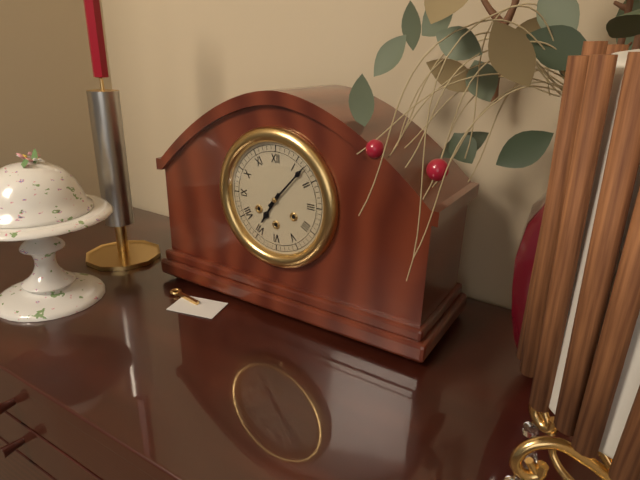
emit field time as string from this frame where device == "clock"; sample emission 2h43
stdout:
7h07
